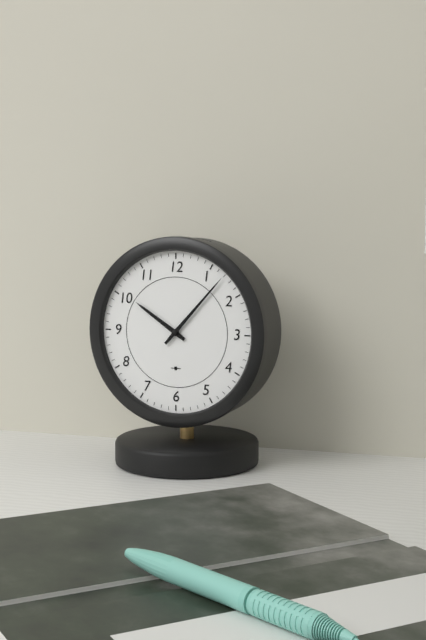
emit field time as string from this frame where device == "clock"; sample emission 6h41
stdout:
10h07
